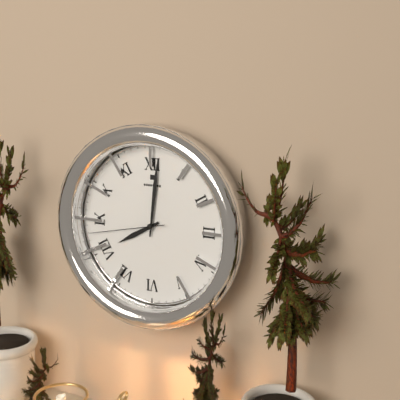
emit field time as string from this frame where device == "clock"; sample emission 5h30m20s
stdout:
8h01m43s
